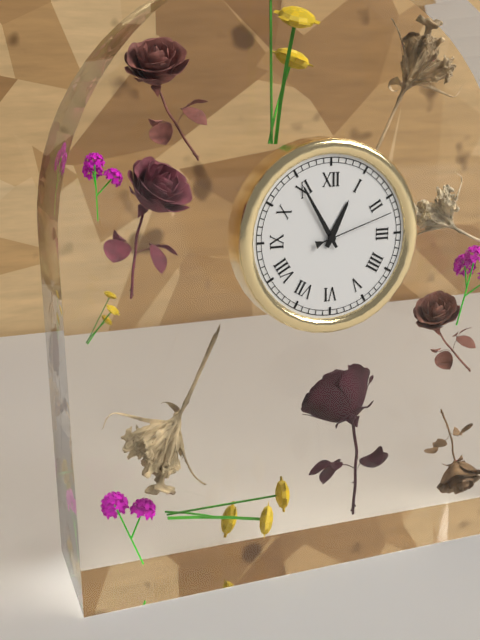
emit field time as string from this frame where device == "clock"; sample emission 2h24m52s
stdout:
12h55m12s
